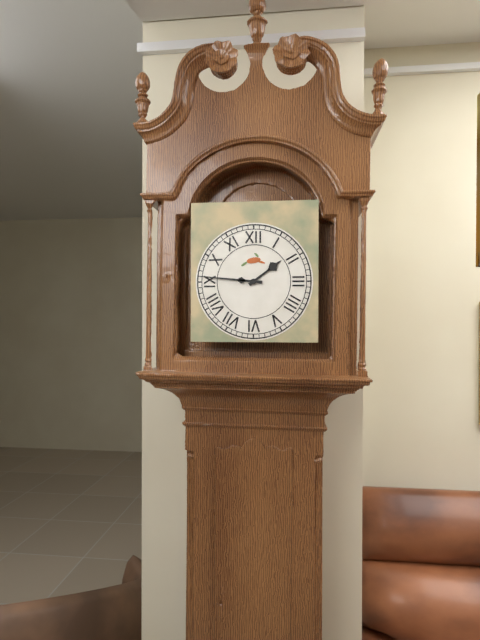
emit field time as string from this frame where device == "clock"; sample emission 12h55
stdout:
1h46
